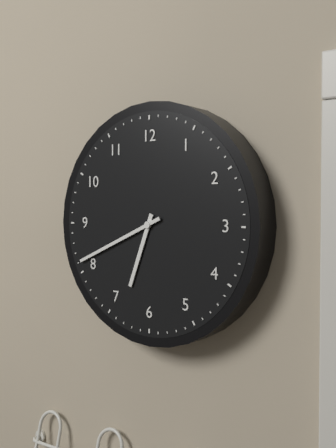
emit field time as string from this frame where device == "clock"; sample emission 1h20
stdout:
6h41
